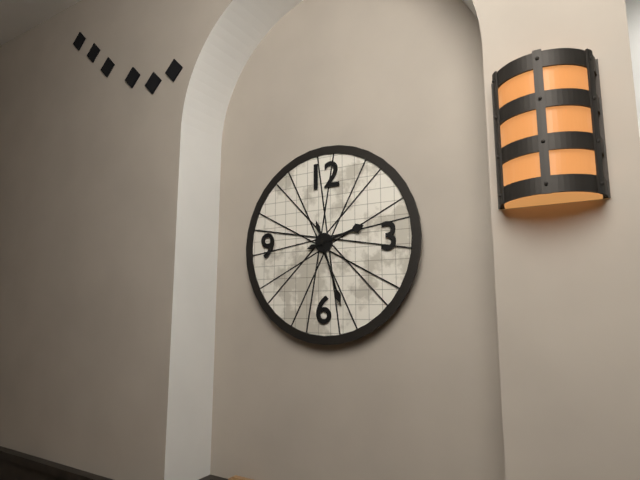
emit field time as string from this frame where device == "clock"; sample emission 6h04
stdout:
2h27
